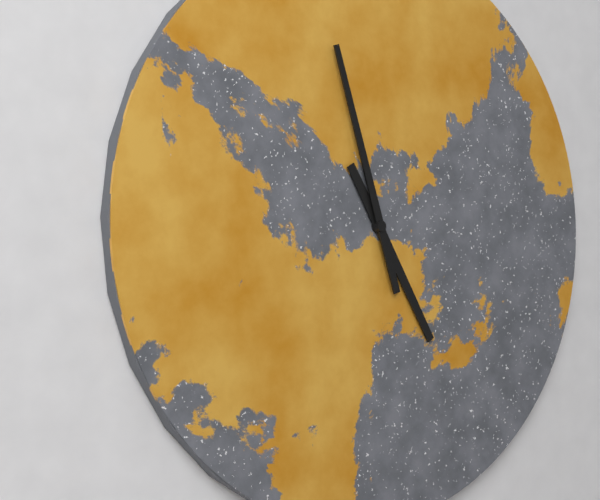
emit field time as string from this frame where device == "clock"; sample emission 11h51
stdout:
4h57
